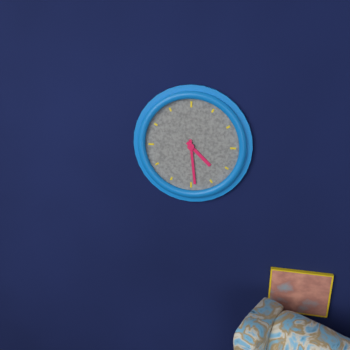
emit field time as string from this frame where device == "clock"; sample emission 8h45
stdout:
4h29
